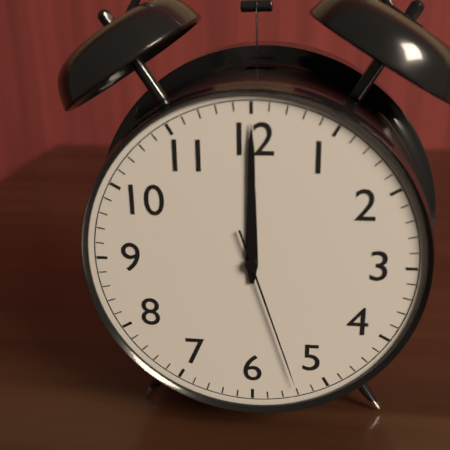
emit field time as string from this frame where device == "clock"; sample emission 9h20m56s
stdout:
12h00m27s
